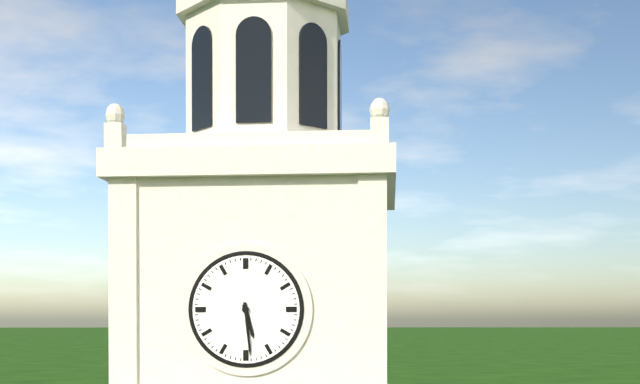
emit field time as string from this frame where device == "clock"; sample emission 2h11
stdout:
5h29
